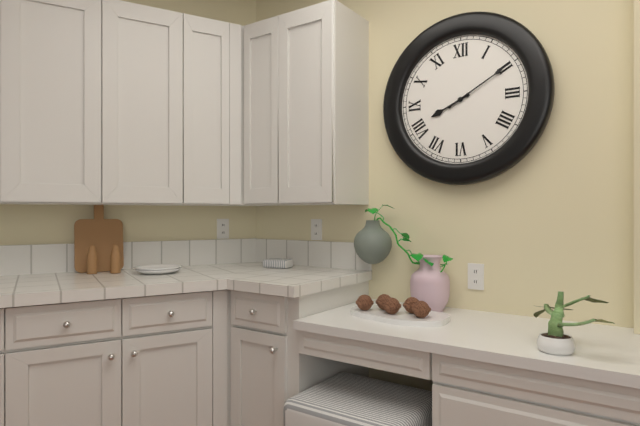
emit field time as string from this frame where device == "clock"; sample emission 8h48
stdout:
8h10
